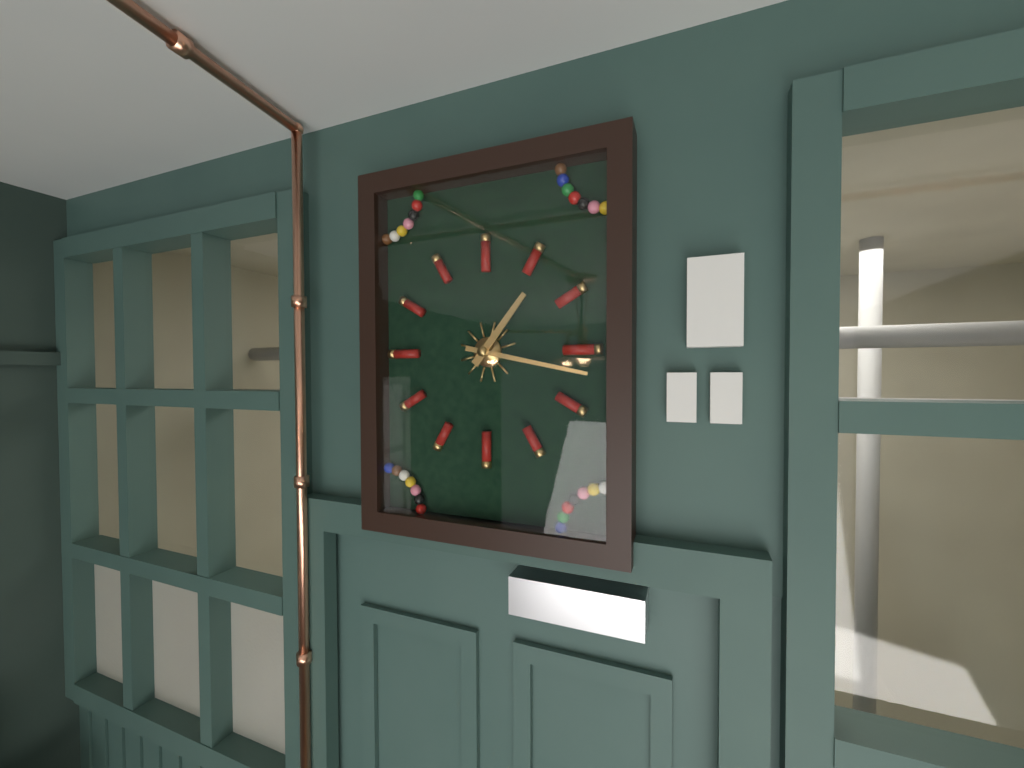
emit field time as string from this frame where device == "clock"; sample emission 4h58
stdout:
1h17
